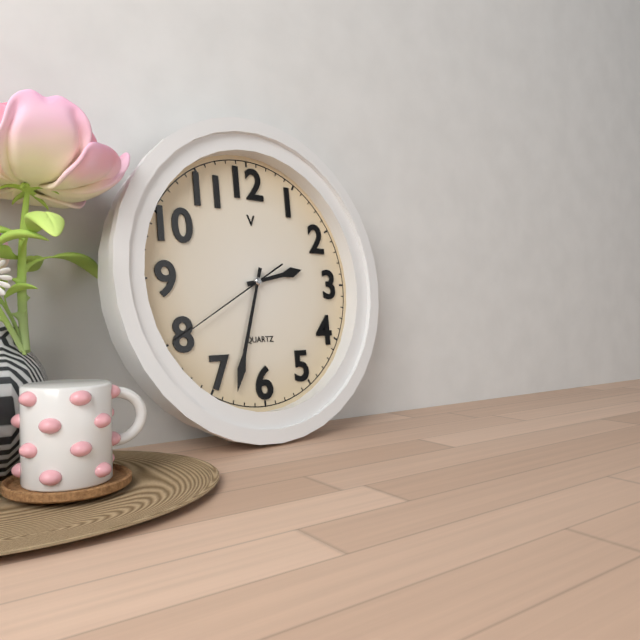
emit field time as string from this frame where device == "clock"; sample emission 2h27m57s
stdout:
2h33m40s
